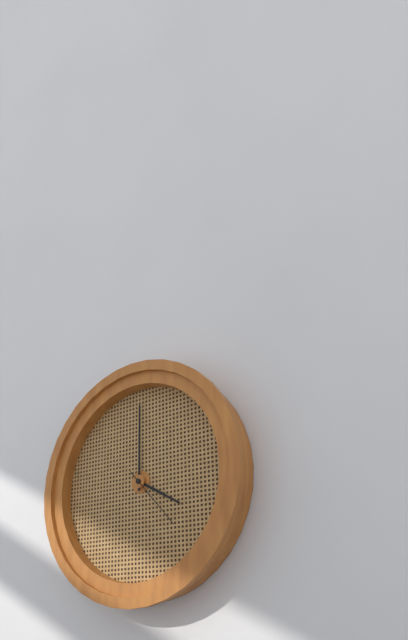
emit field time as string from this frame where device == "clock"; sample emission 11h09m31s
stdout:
4h00m23s
